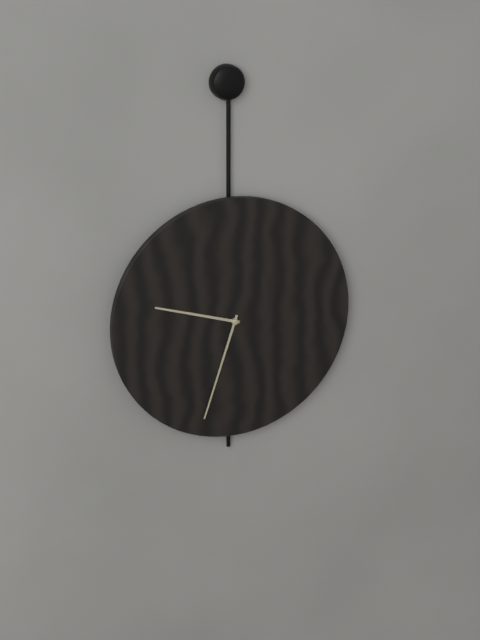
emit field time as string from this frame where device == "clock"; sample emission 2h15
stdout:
9h33
